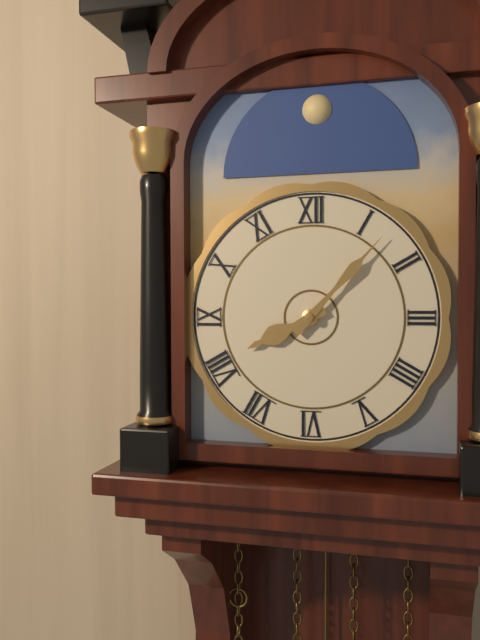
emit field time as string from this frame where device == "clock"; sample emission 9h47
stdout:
8h07
